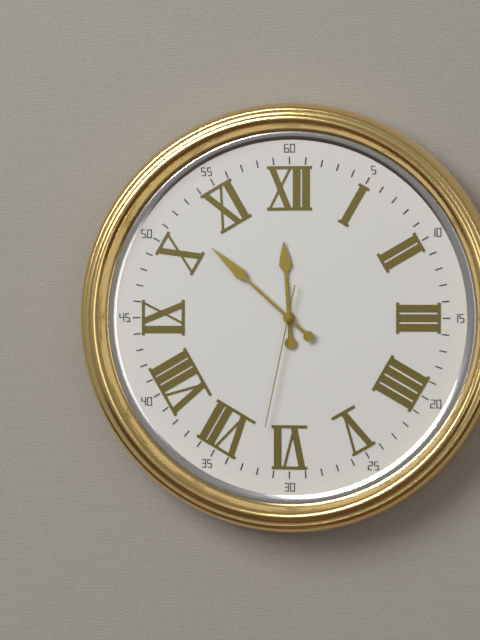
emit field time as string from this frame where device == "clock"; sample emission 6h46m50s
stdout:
11h52m32s
